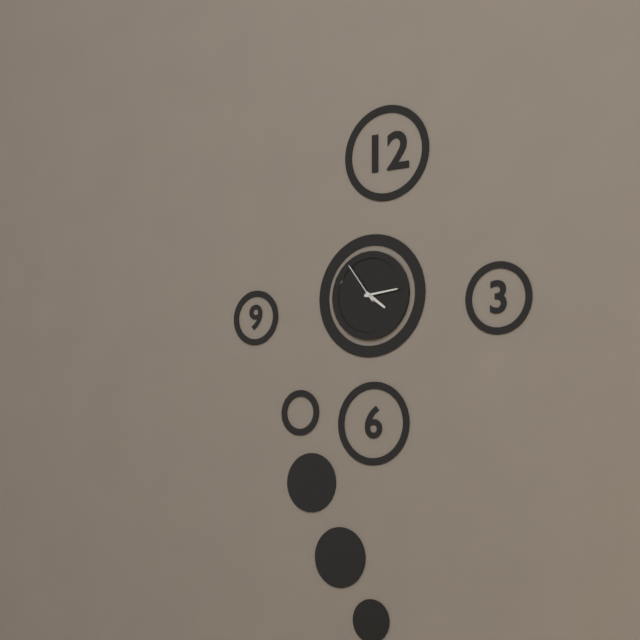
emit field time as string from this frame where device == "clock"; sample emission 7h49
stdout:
4h14
